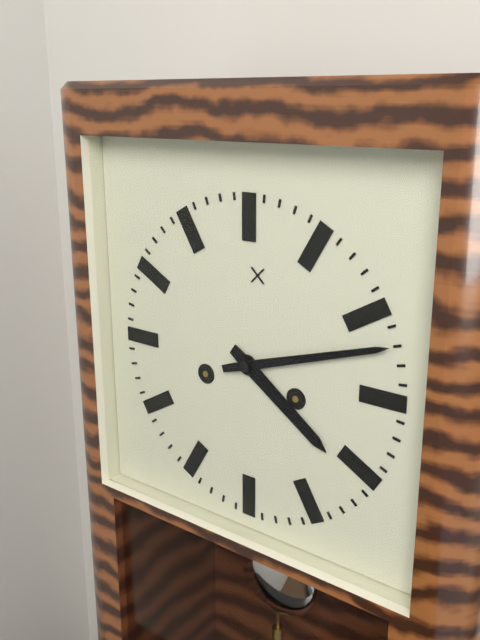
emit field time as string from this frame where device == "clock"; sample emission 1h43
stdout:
4h12
